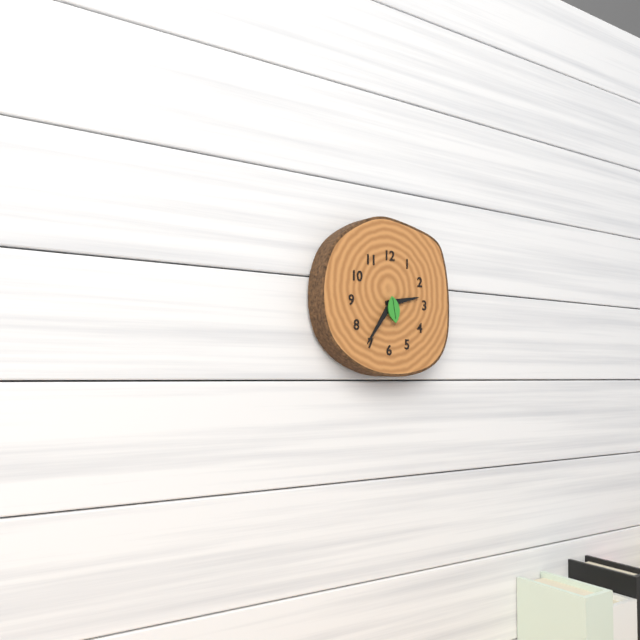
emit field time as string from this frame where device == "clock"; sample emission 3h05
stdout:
2h36
